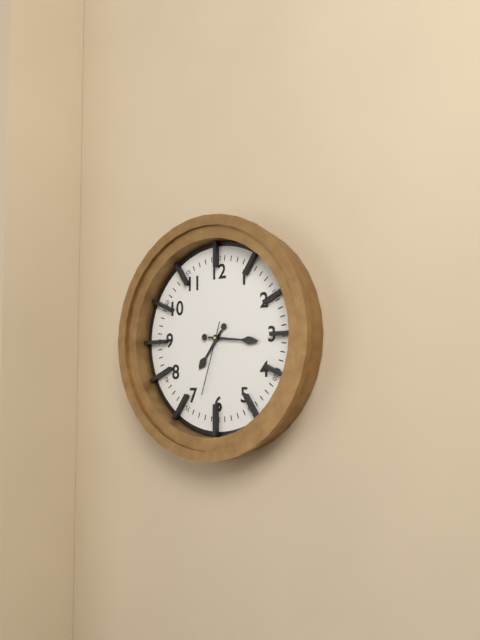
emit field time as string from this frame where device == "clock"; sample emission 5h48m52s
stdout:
7h16m33s
